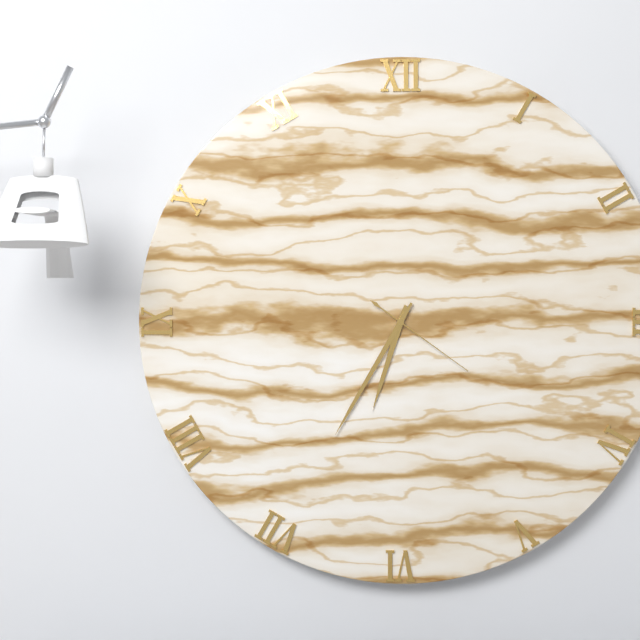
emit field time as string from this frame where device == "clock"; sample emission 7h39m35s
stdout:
6h35m21s
